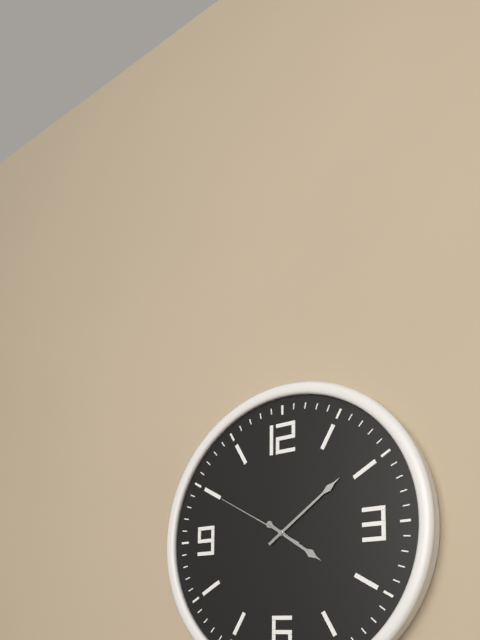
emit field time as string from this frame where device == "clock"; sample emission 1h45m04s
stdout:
4h09m50s
